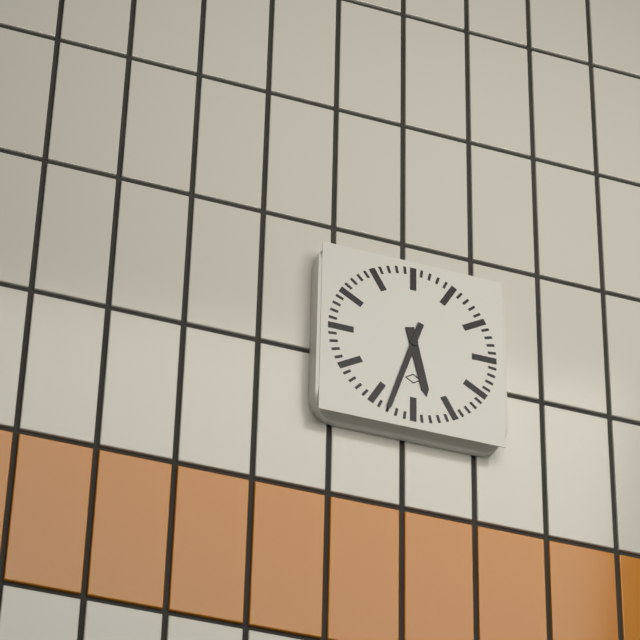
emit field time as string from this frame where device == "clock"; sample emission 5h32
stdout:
5h33
